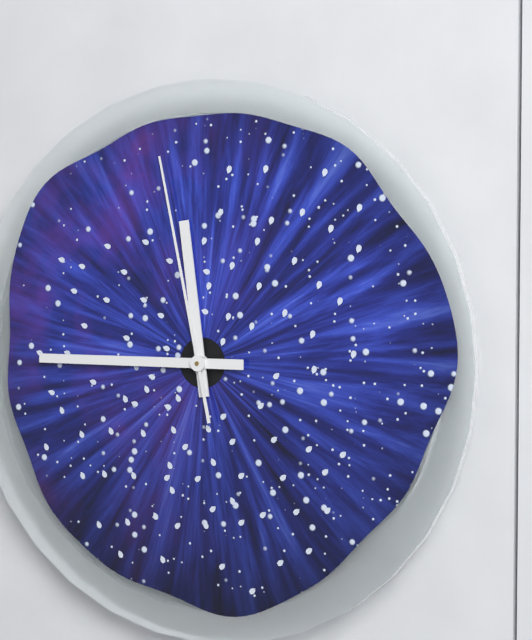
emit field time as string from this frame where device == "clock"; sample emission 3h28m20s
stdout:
11h45m58s
